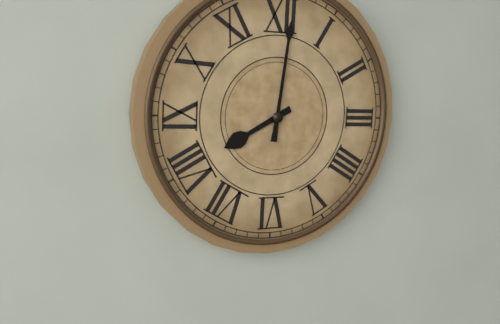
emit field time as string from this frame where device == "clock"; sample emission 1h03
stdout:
8h01
